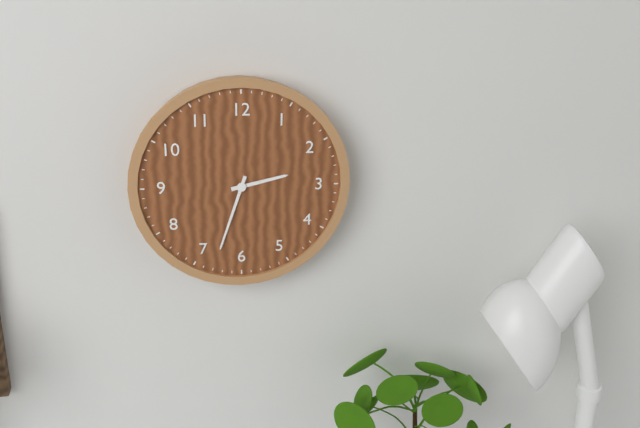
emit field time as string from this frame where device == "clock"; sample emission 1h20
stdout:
2h33
